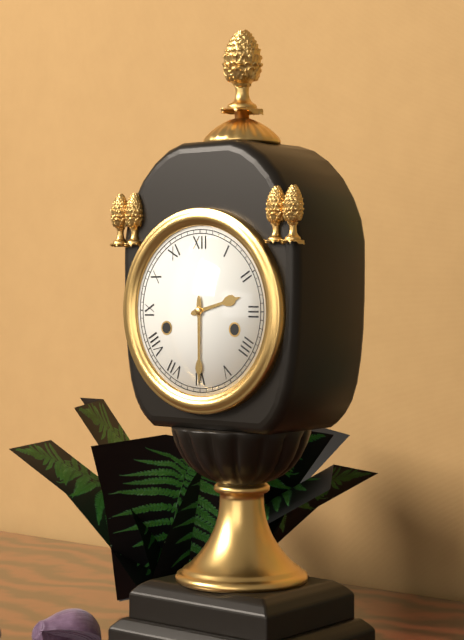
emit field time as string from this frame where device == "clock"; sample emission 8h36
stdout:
2h30
